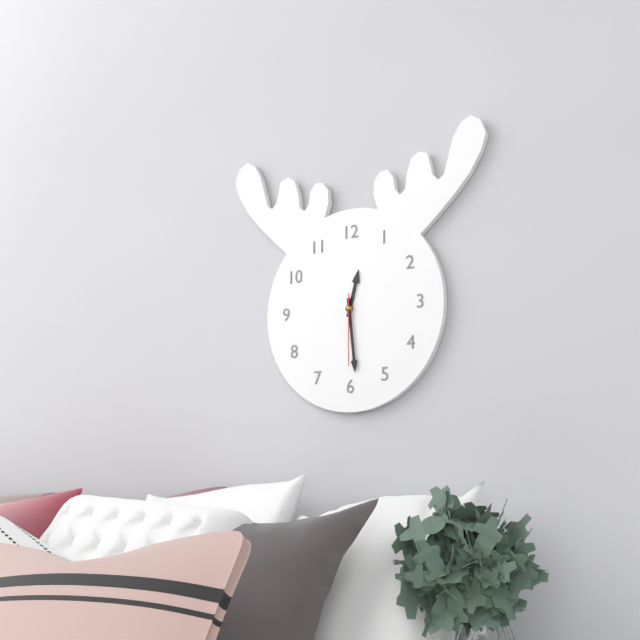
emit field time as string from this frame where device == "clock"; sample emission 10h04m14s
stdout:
12h29m30s
